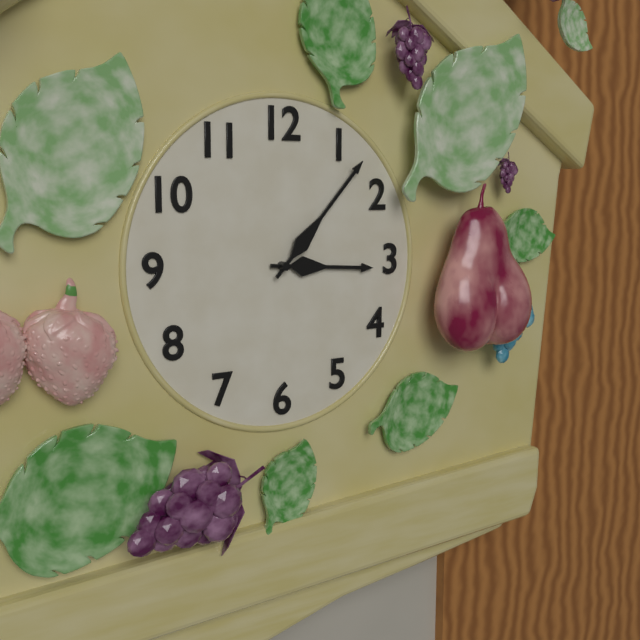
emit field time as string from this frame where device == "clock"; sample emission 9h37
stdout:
3h07
